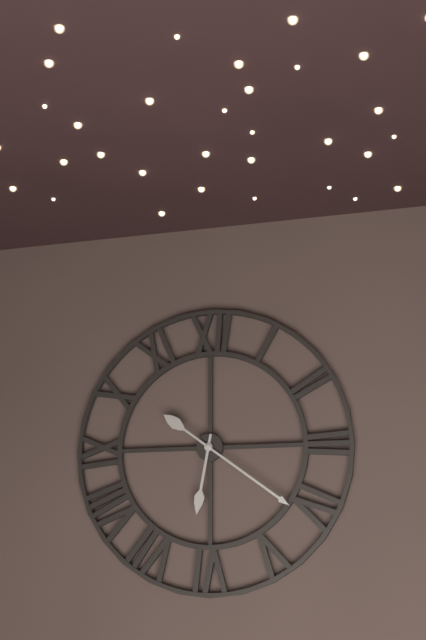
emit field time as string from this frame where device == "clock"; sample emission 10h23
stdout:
6h21
